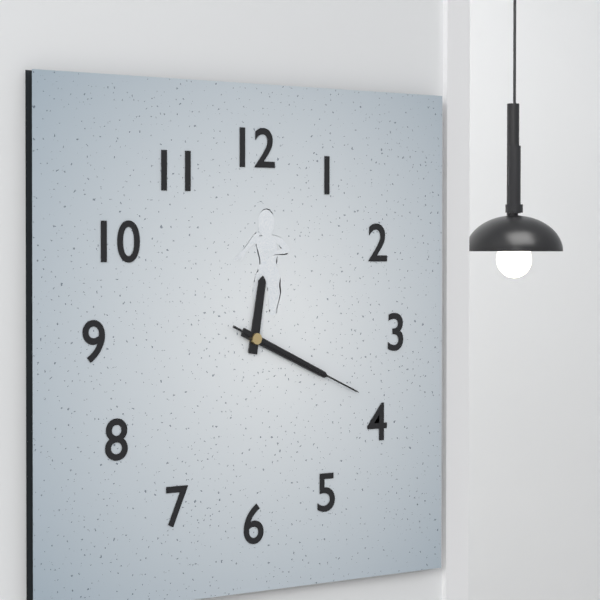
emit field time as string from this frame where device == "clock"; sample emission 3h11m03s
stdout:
12h19m19s
